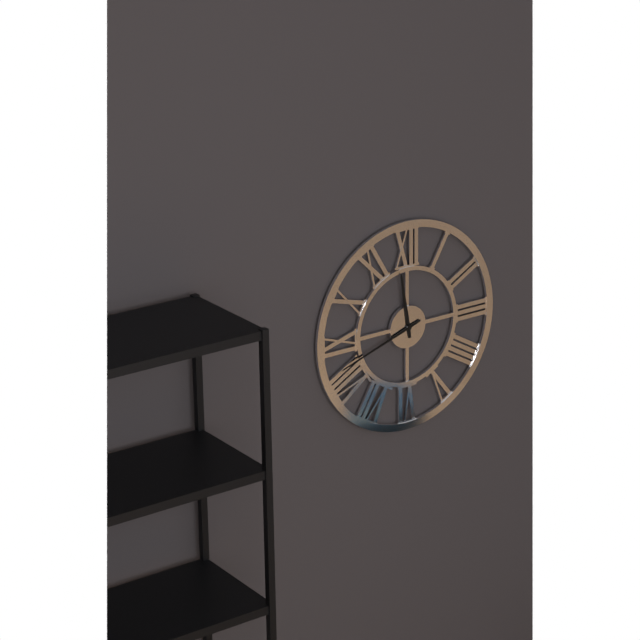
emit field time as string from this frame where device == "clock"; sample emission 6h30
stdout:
11h42
